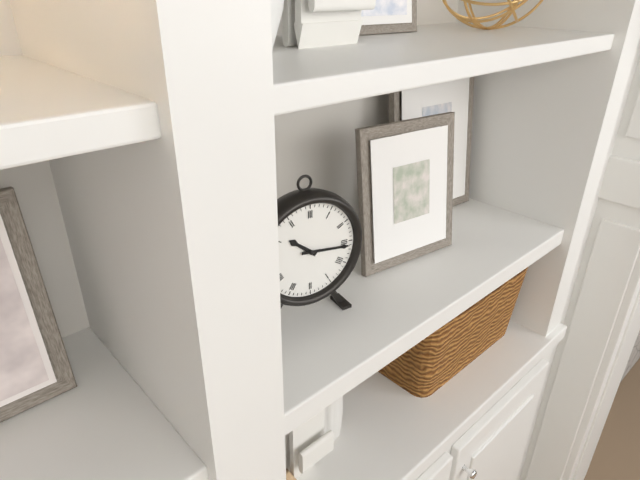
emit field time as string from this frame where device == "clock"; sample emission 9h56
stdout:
10h16
